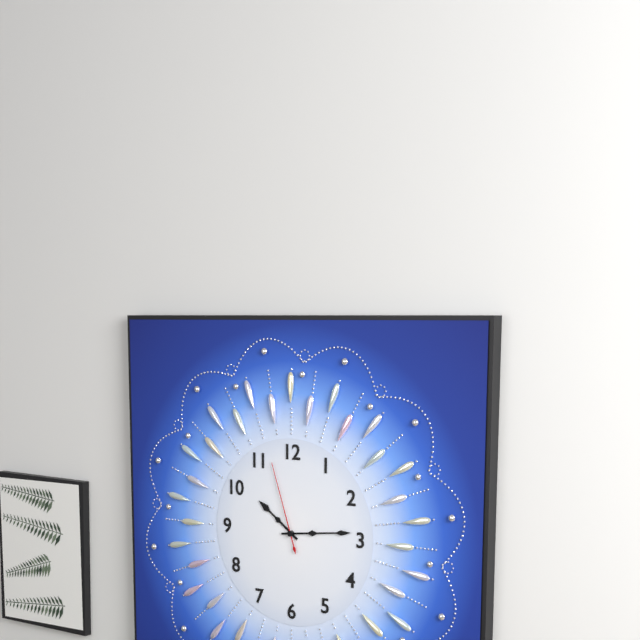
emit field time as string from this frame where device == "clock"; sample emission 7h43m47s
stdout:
10h14m57s
